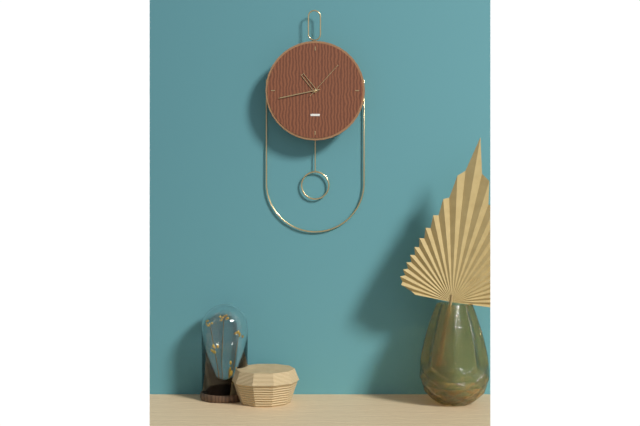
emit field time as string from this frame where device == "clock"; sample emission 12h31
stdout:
10h43
